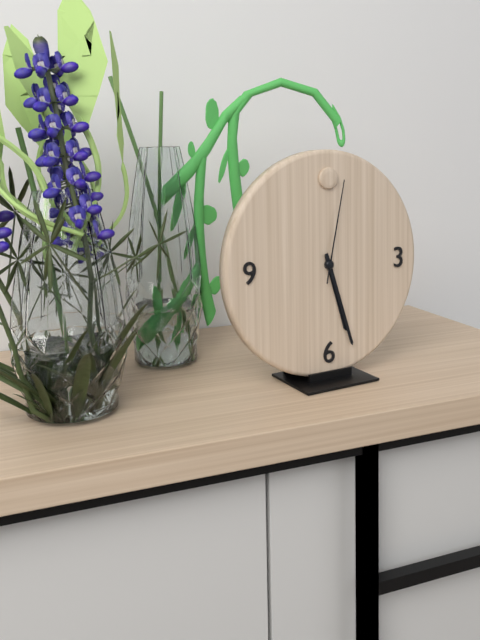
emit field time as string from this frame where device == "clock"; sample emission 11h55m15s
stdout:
5h27m02s
